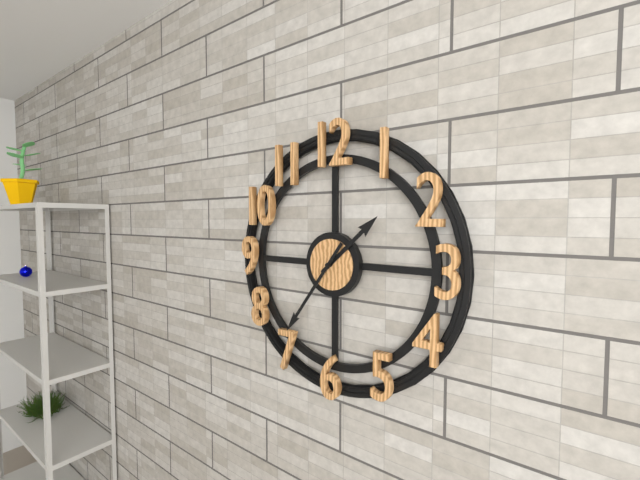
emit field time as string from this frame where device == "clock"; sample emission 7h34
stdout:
1h36
